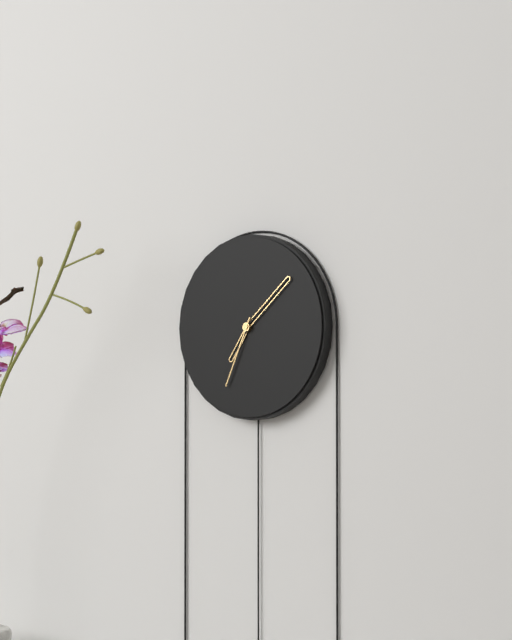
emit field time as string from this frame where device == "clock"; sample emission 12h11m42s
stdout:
7h08m34s
